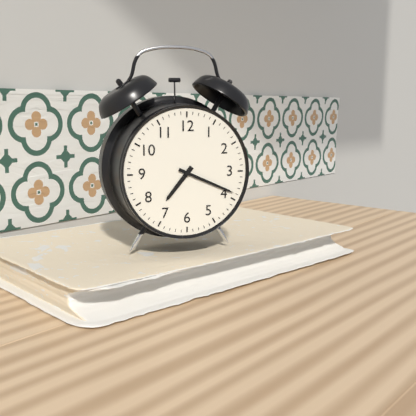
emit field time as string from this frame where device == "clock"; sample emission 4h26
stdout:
7h19
